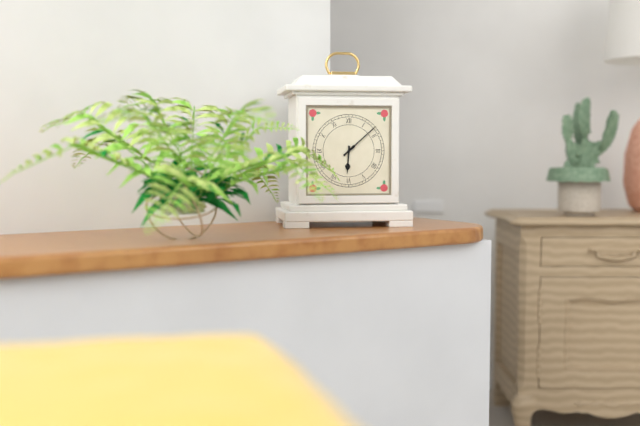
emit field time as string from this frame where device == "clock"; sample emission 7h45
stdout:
6h08
